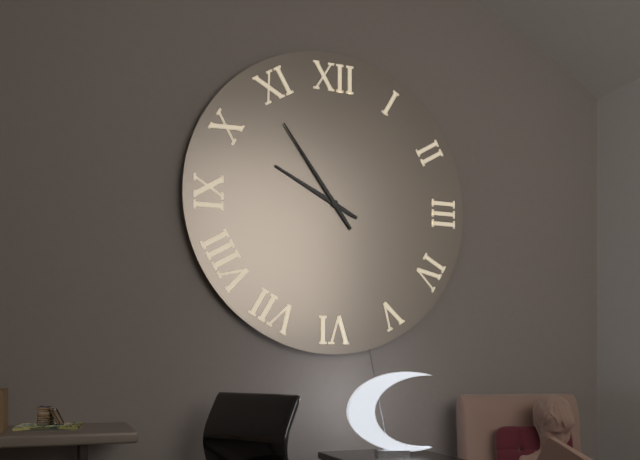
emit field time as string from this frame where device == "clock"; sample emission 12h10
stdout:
9h54
